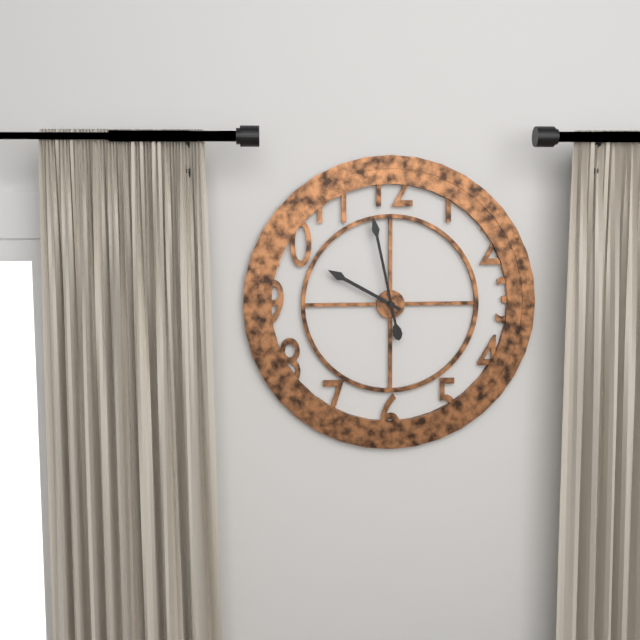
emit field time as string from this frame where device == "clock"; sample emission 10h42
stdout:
9h58
